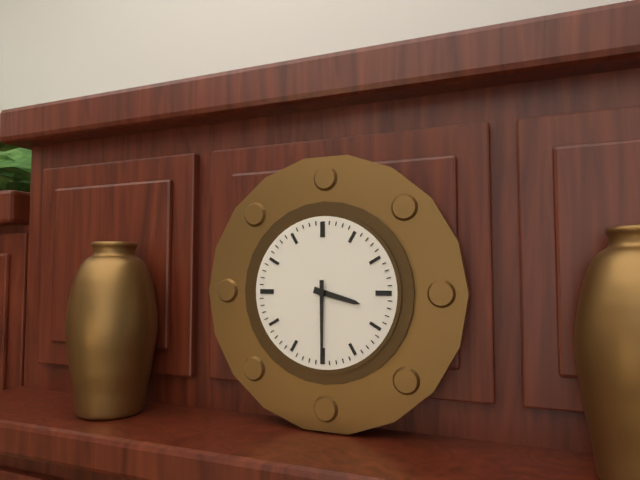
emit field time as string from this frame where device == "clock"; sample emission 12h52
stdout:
3h30
